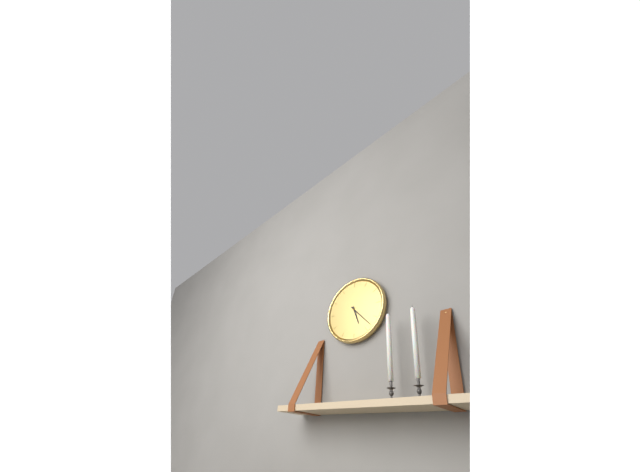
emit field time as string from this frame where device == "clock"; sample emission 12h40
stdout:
5h23
